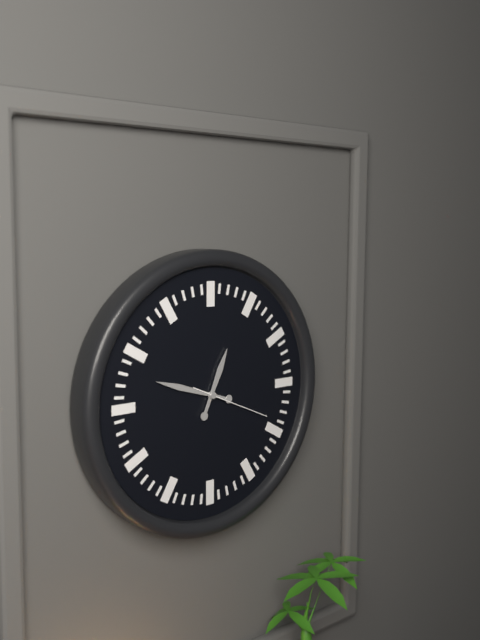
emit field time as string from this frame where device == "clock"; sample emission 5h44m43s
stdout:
12h48m19s
